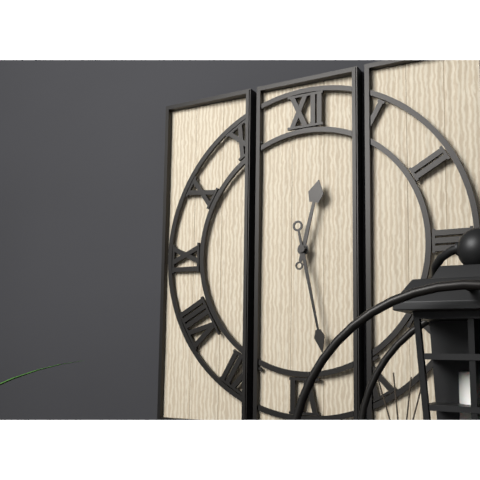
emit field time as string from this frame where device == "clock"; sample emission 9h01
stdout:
12h28
